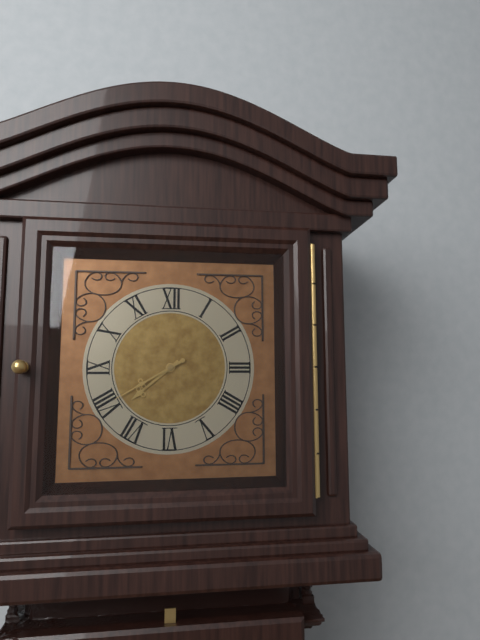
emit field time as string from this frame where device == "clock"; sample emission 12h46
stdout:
7h40
